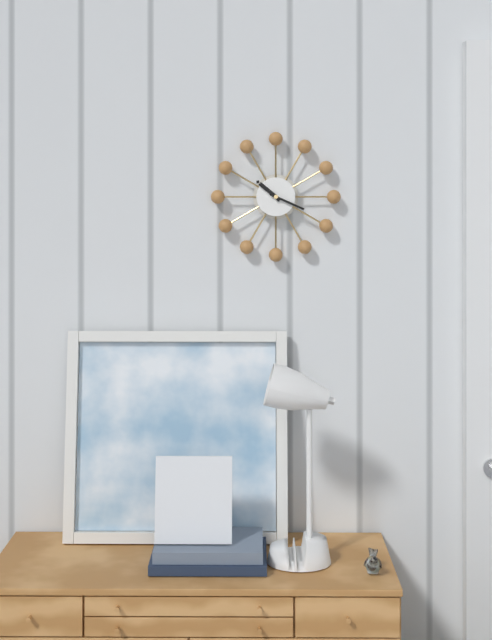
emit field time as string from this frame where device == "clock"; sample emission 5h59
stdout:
10h19
